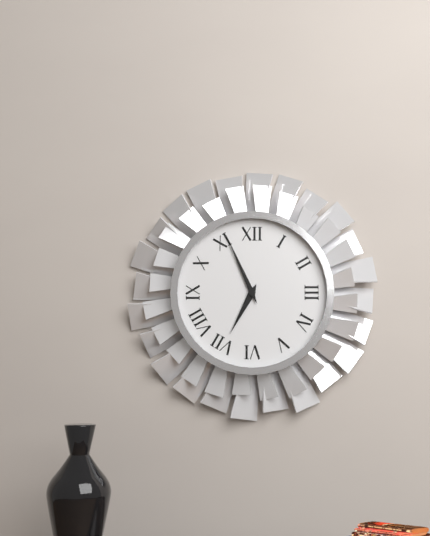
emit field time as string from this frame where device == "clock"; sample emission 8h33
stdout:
6h56
